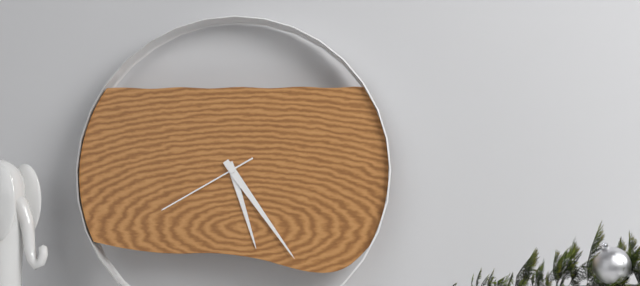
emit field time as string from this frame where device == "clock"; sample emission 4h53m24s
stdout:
5h24m40s
